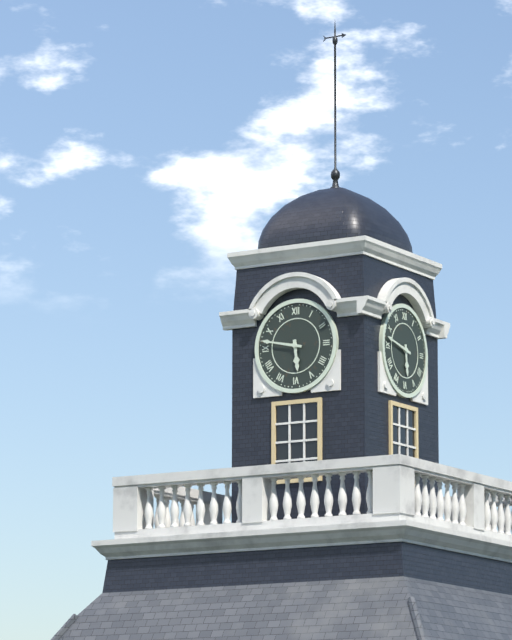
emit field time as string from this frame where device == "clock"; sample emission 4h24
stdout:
5h47
